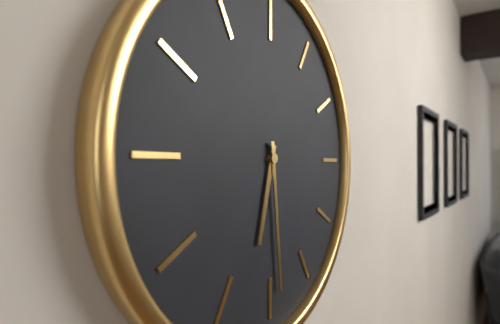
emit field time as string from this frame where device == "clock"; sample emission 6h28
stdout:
6h29
